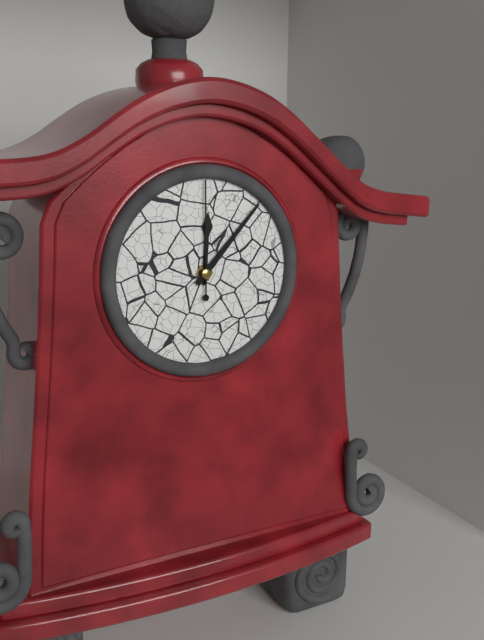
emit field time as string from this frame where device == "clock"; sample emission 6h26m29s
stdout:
12h07m00s
